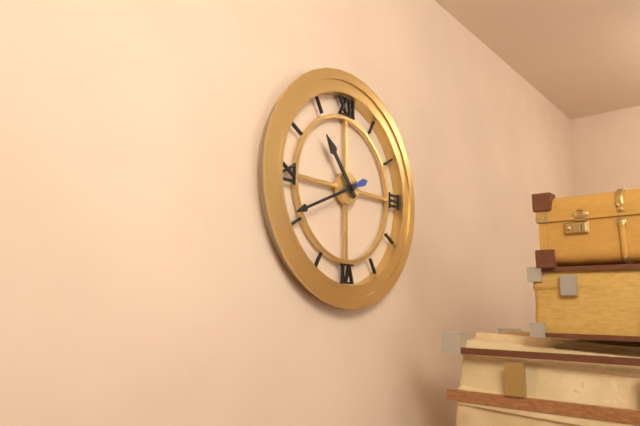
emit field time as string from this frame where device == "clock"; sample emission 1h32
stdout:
10h41
